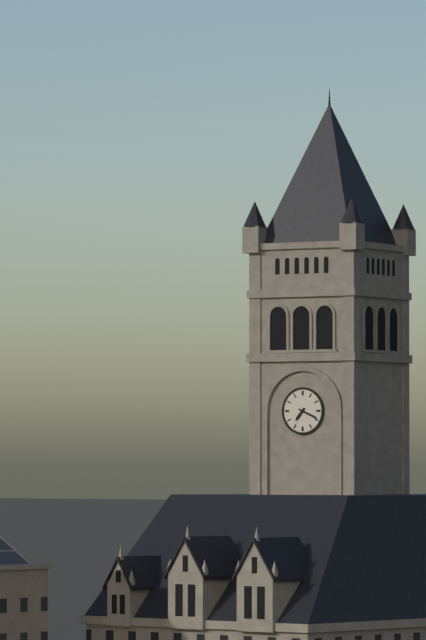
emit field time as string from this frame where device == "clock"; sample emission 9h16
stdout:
7h19
